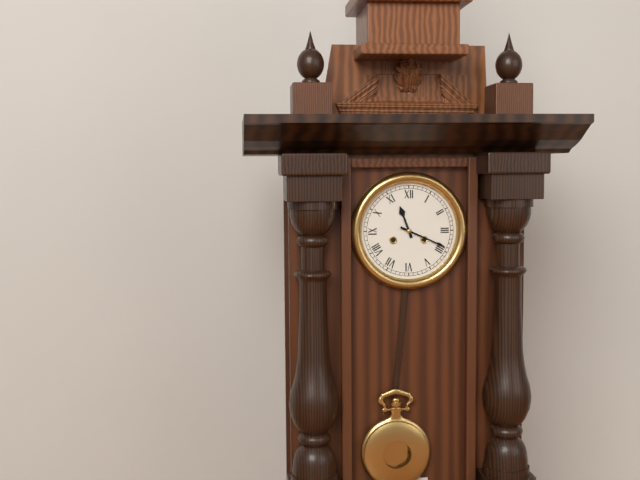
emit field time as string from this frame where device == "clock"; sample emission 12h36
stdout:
11h19
